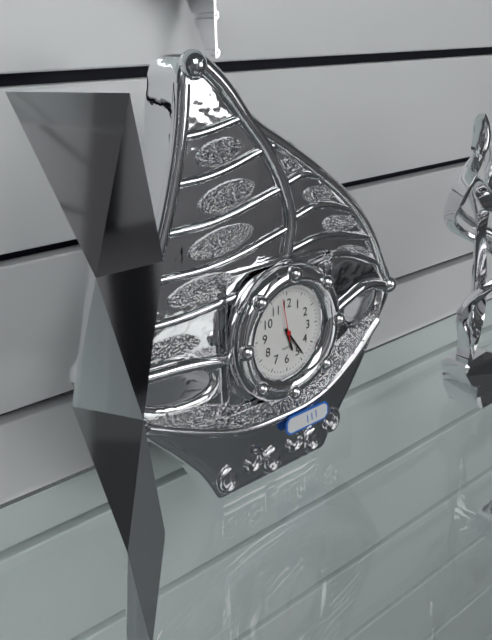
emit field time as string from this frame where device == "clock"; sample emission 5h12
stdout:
5h24
